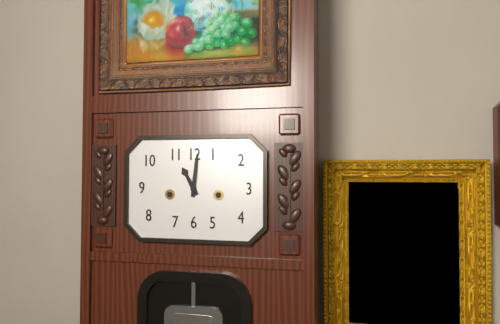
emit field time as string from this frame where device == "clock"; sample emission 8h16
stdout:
11h01
